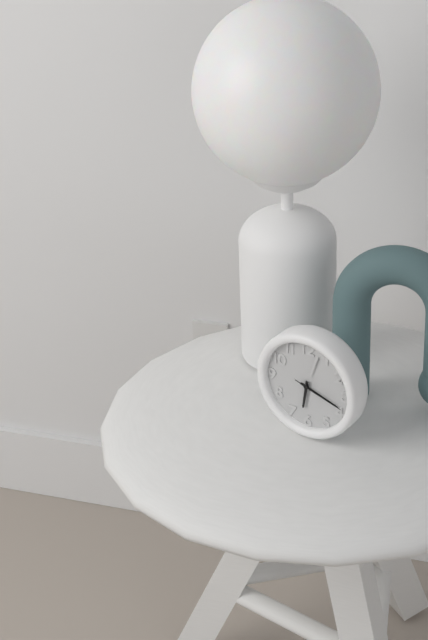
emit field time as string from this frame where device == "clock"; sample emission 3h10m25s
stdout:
6h18m18s
